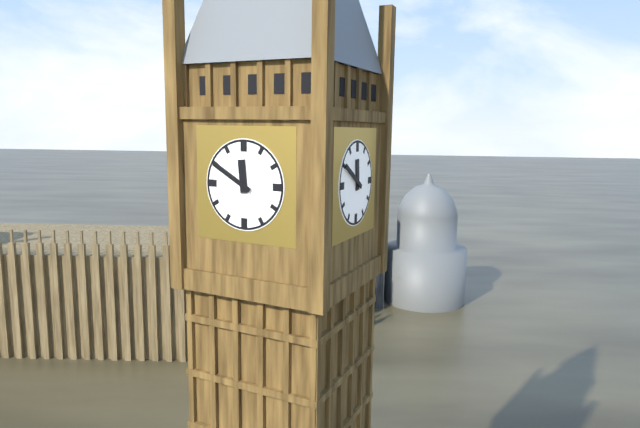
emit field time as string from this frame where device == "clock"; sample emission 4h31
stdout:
11h50
